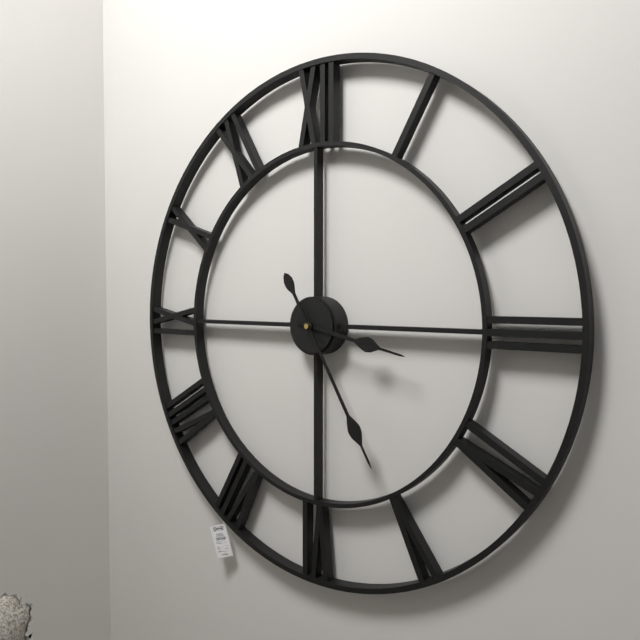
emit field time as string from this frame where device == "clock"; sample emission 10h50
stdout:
3h25
